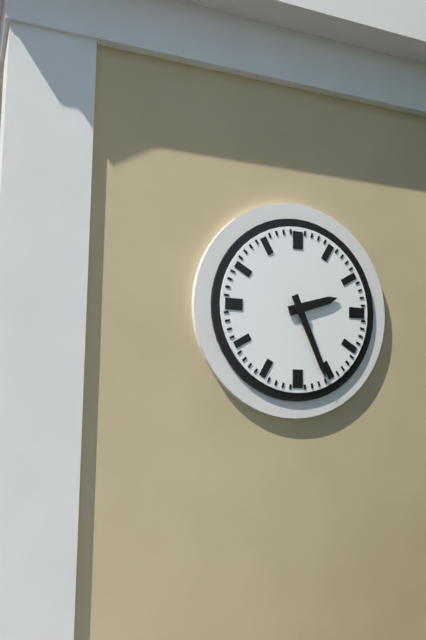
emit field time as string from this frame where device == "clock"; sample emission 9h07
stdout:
2h26
